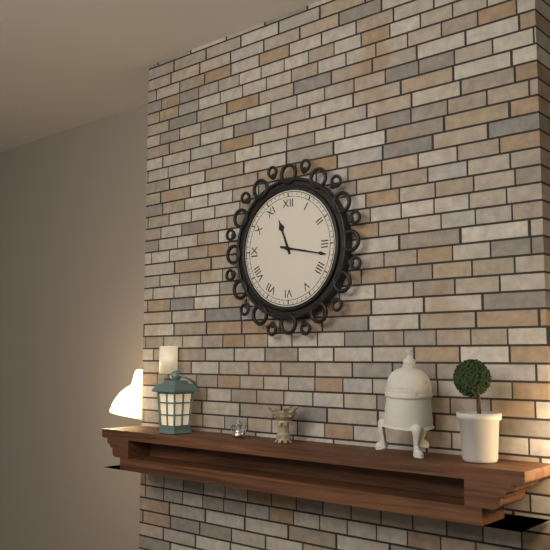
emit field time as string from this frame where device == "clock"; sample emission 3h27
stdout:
11h17
